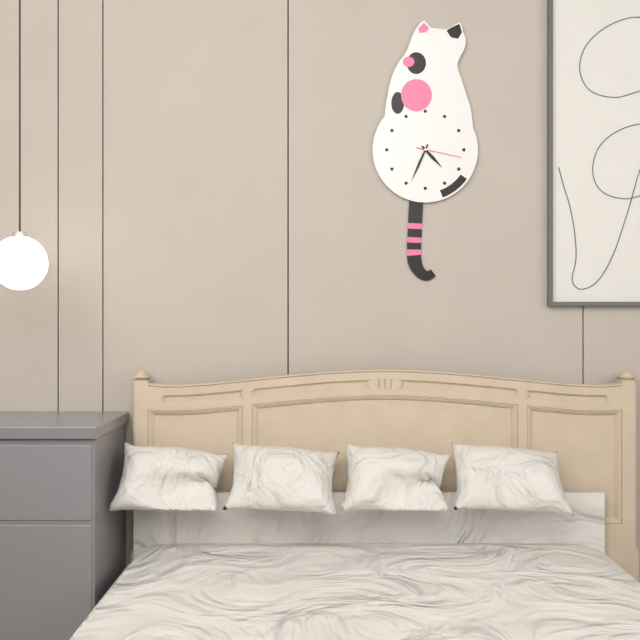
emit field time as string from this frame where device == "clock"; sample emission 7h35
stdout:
4h34
